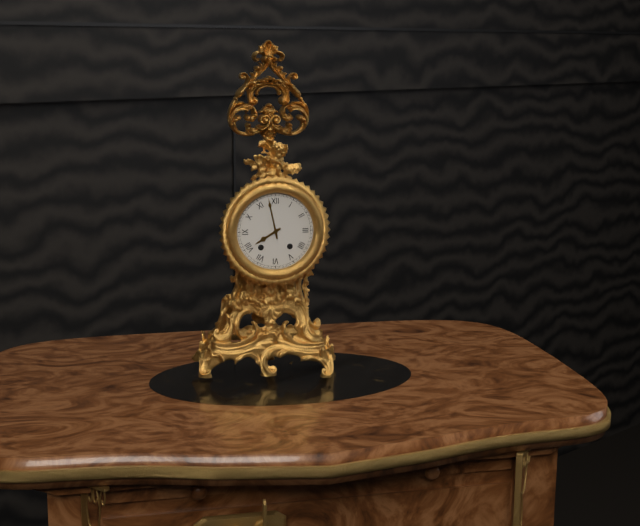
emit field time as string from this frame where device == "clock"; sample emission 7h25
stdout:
7h58
